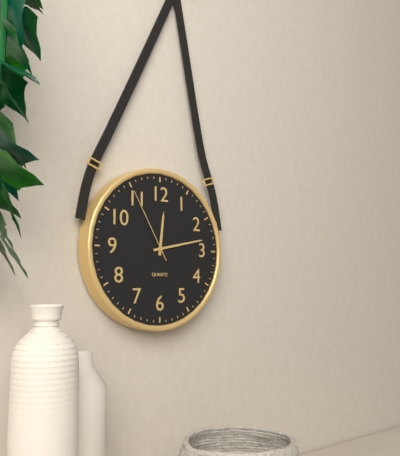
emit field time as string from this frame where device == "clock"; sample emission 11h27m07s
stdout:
12h13m55s
